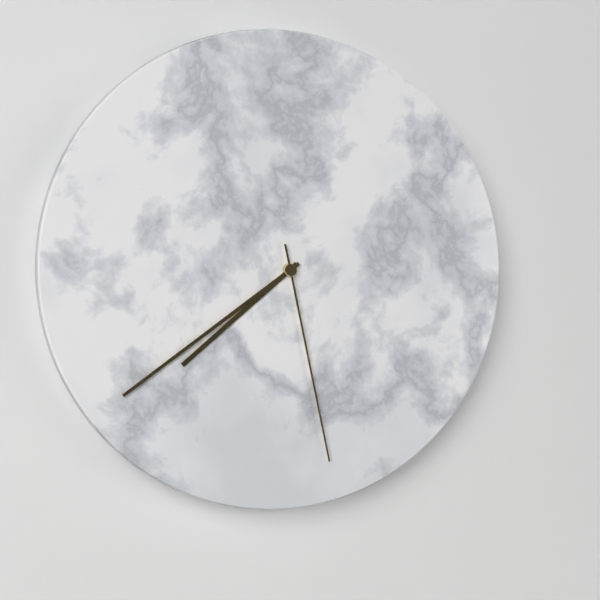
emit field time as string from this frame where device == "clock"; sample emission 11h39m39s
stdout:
7h39m28s
